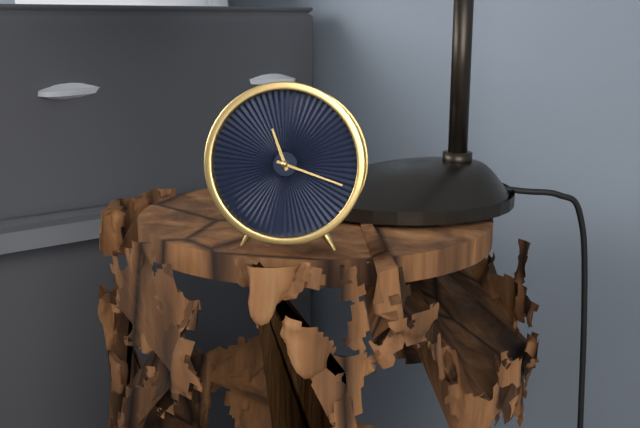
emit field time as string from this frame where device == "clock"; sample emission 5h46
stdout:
11h18
